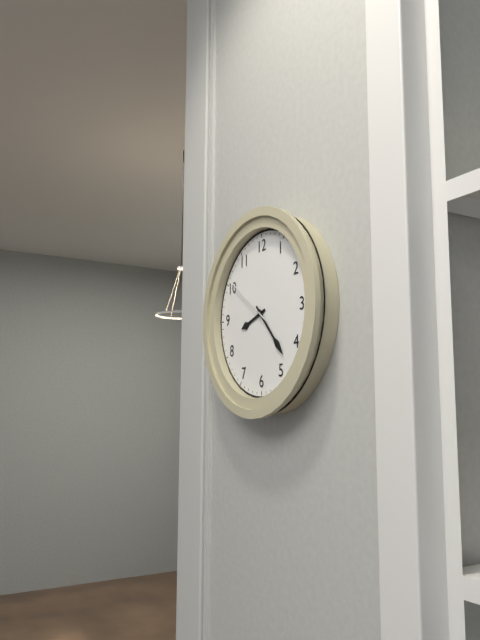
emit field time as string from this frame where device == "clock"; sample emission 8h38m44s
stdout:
8h23m51s
